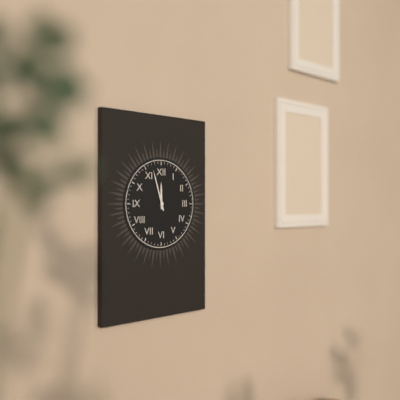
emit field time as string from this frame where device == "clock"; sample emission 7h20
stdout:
11h57
